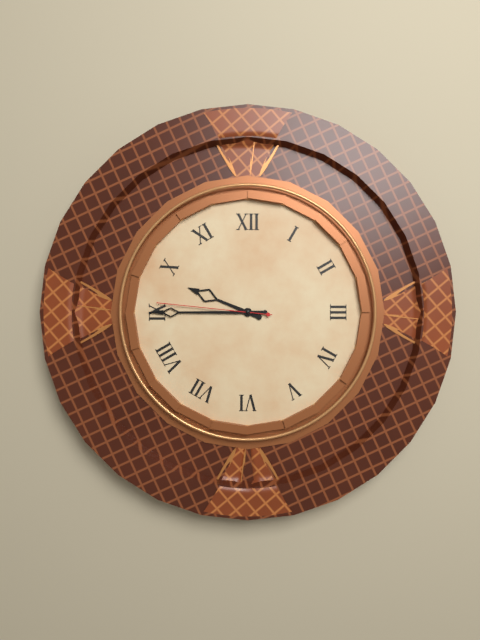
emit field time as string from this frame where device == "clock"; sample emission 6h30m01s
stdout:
9h45m46s
